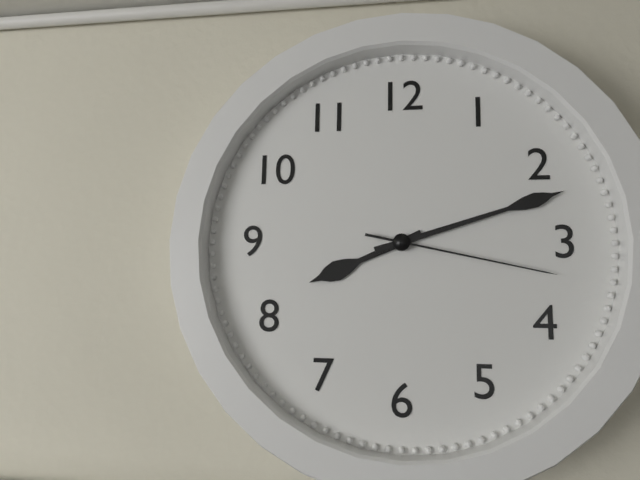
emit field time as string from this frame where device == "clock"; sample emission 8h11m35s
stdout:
8h12m17s
